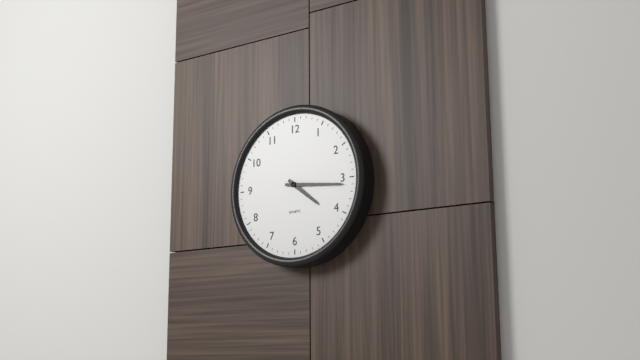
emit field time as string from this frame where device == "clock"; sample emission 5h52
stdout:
4h16
